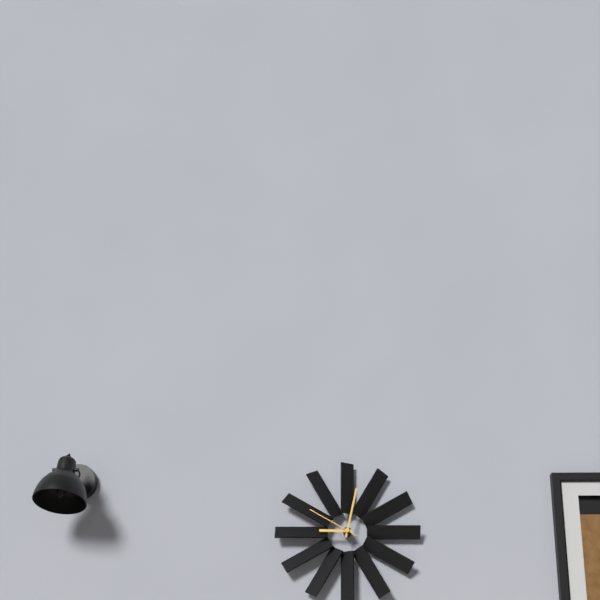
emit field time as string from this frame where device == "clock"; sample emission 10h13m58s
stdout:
9h02m50s
